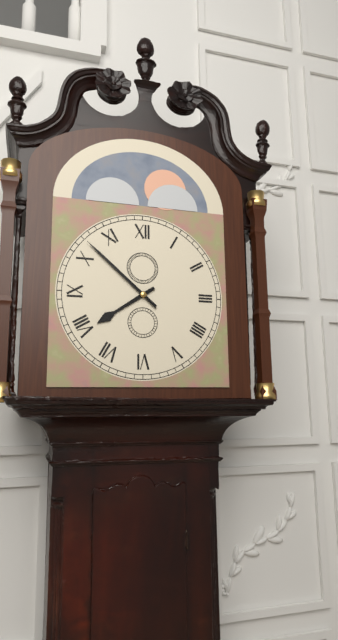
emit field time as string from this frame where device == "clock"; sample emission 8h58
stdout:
7h52
